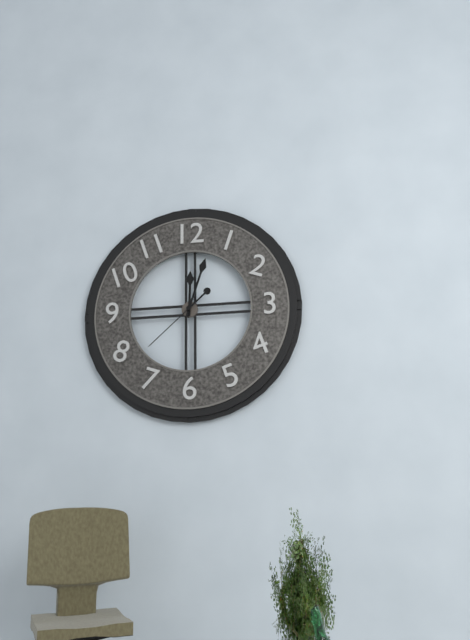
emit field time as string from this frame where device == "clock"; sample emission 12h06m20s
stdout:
12h03m38s
